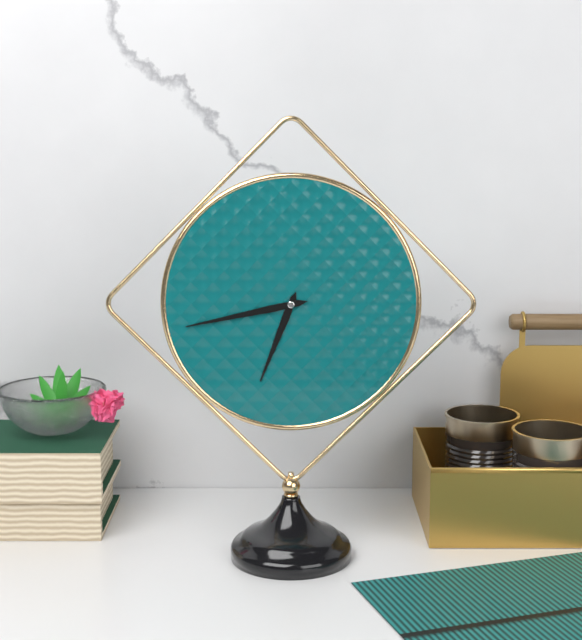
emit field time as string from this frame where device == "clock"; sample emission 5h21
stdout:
6h43
